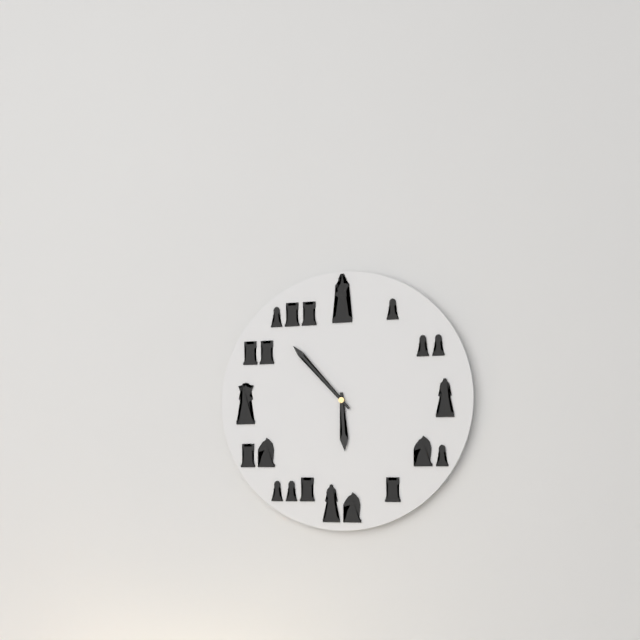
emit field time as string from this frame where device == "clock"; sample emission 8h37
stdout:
5h53
